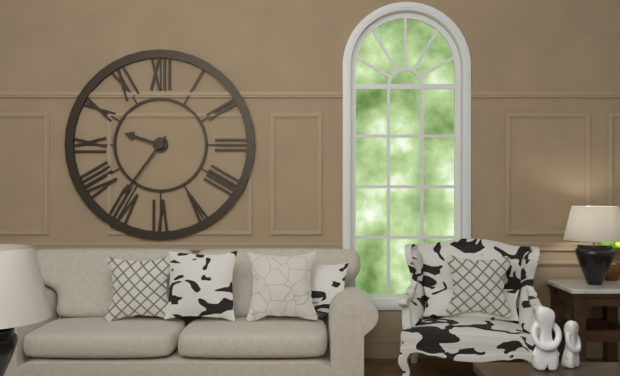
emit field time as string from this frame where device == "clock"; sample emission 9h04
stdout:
9h36
